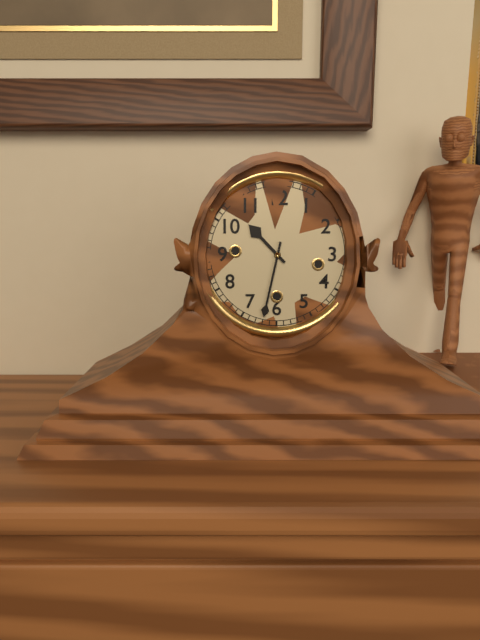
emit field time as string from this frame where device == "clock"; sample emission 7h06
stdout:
10h32
